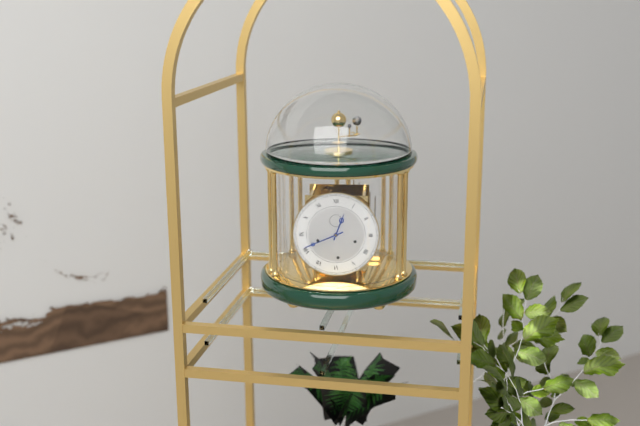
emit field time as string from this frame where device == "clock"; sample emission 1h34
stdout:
12h41
